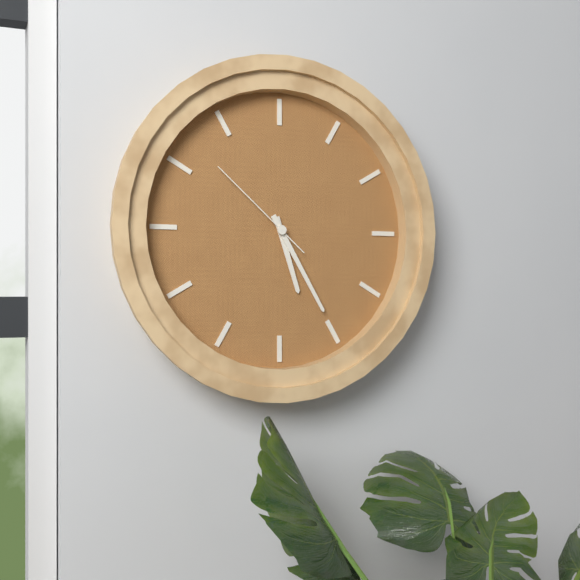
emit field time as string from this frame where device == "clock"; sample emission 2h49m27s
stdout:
5h25m52s
